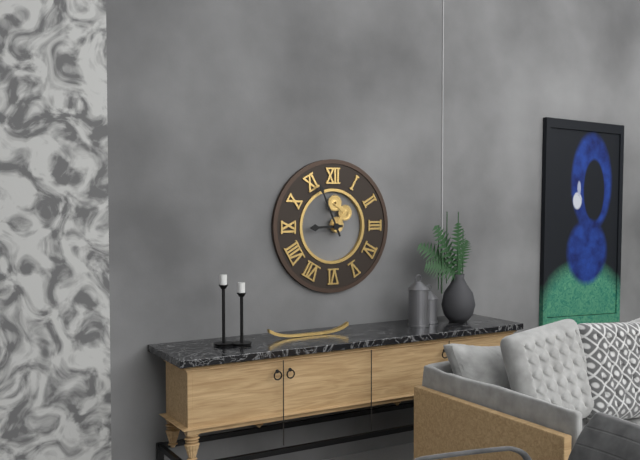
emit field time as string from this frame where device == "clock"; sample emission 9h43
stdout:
8h56
